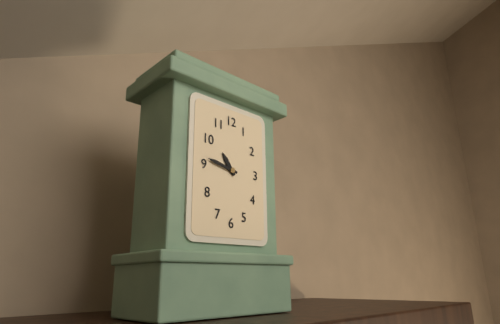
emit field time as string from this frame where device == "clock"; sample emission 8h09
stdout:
10h47
